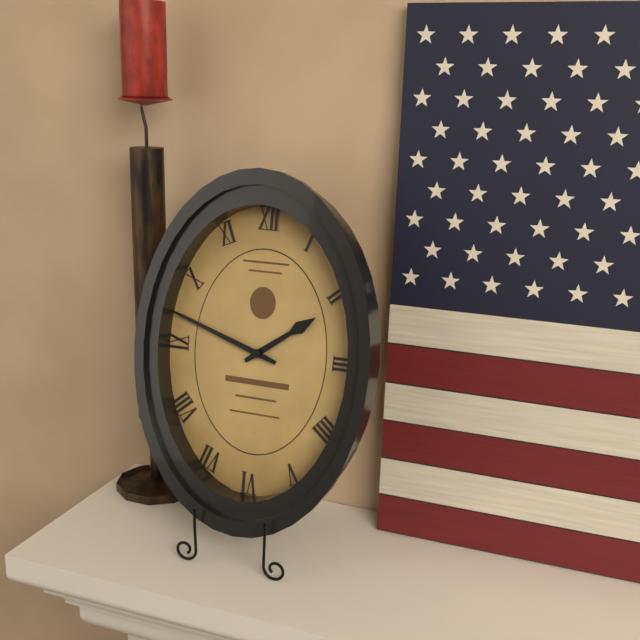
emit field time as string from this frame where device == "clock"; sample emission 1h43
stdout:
1h48
